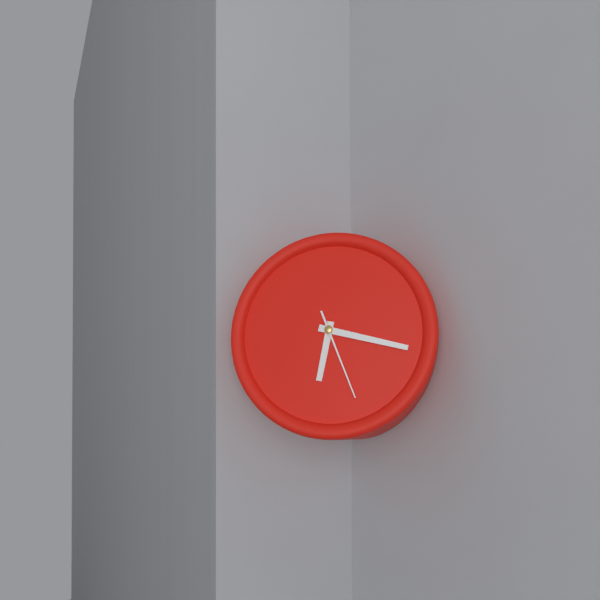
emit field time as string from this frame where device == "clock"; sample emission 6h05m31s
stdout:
6h17m26s
